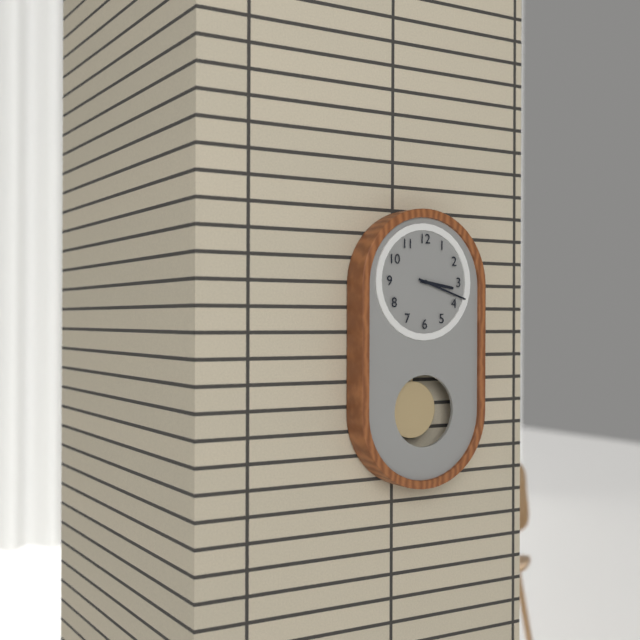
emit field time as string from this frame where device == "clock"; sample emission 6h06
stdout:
3h18
